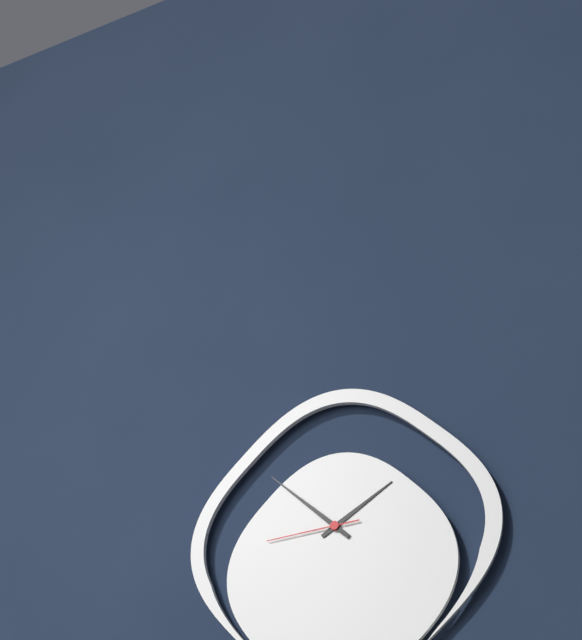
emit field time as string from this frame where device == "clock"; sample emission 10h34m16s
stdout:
1h52m44s
